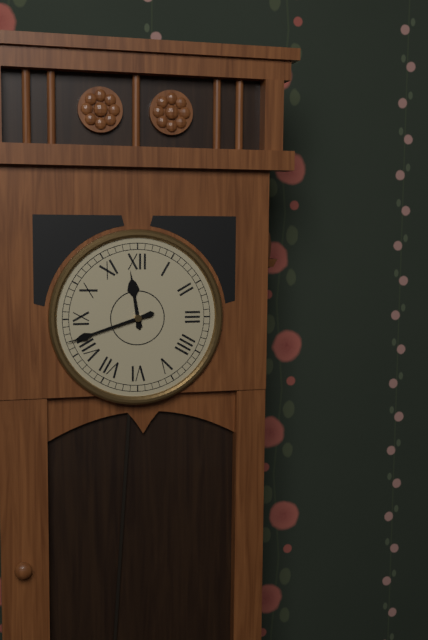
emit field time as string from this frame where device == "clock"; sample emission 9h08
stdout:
11h42
